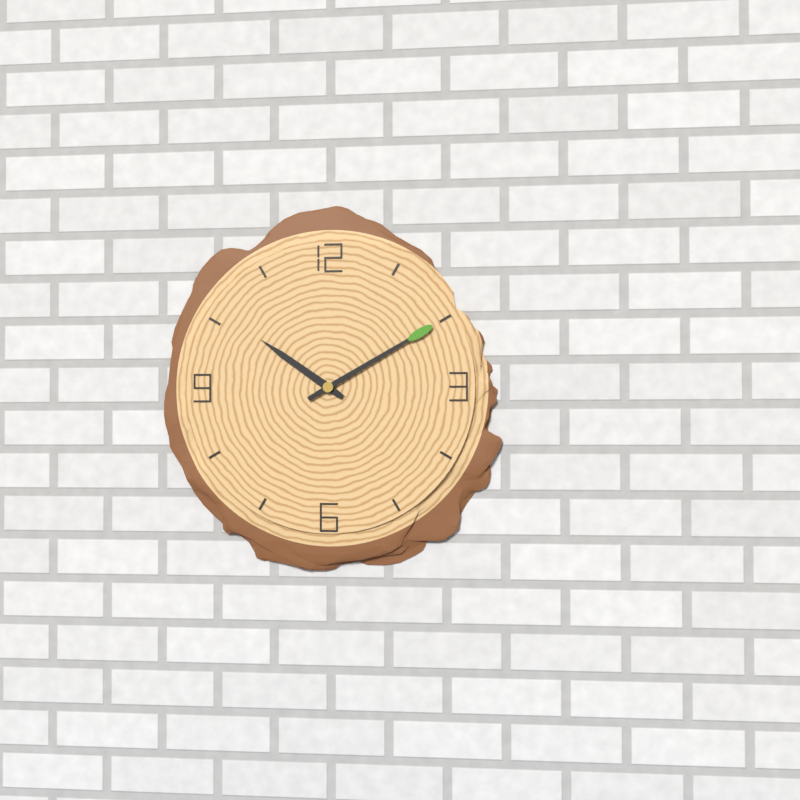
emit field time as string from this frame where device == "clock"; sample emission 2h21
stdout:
10h10
